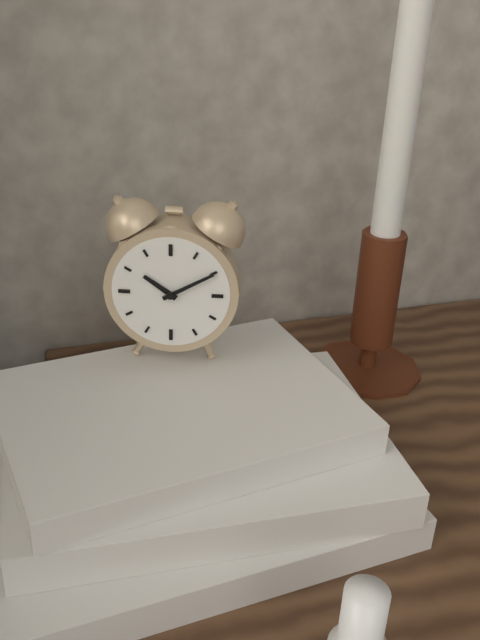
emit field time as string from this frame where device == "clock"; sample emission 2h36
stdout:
10h10
